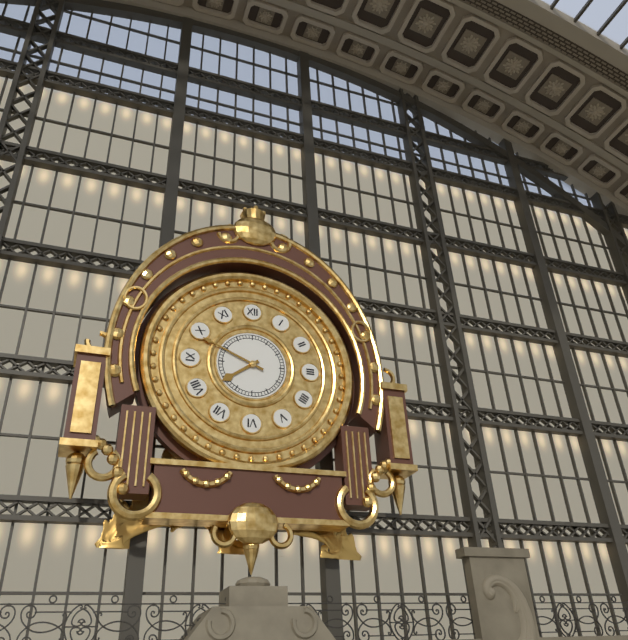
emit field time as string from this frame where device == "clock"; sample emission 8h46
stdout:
7h49
